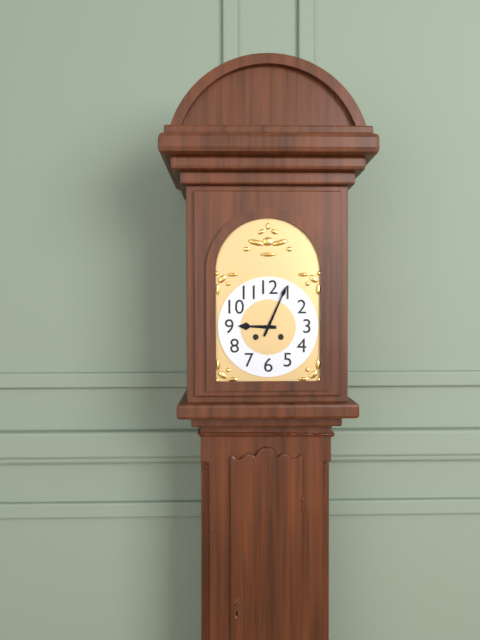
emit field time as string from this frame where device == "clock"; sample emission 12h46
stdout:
9h04
